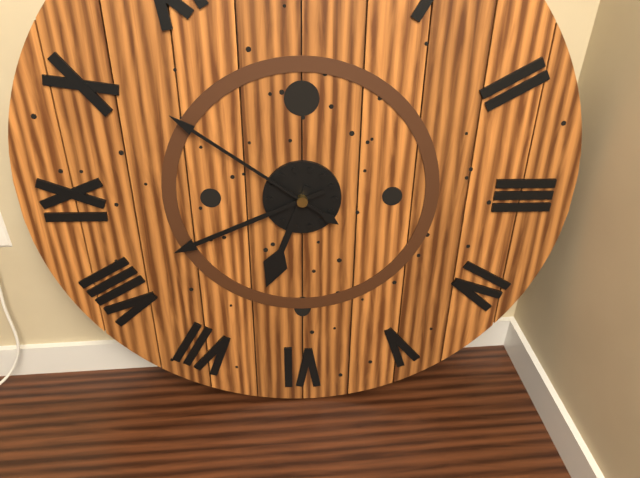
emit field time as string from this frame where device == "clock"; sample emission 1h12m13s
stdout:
6h41m51s
